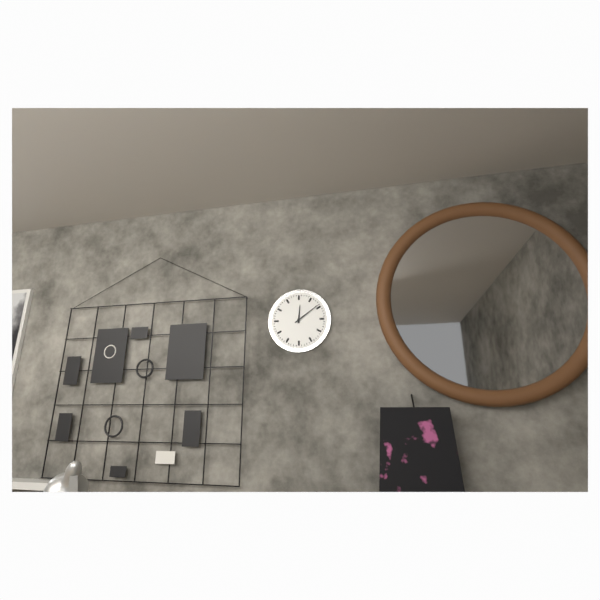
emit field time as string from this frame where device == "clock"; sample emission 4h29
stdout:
12h09
